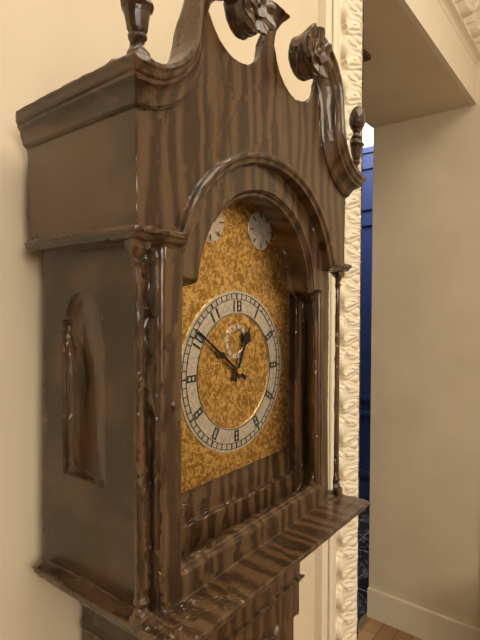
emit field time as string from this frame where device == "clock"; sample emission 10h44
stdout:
12h51
